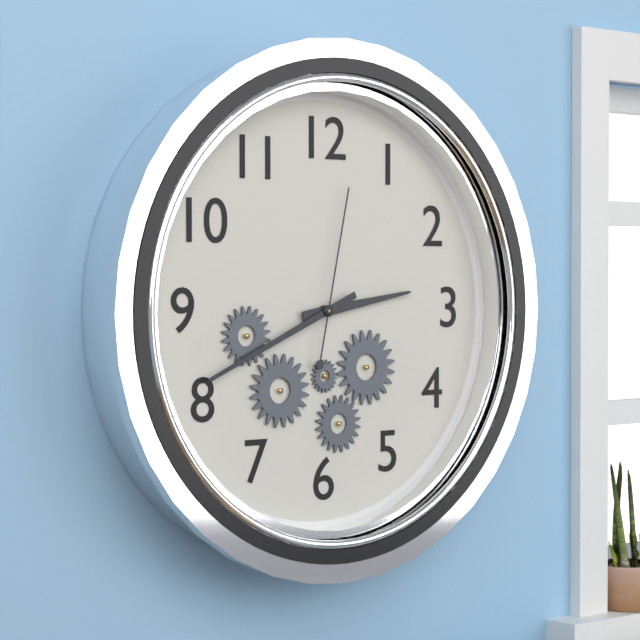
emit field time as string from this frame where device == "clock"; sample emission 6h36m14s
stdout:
2h41m02s
